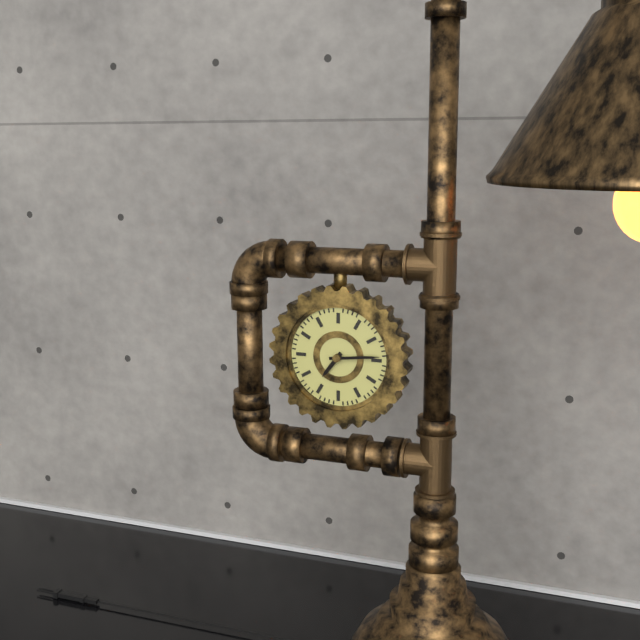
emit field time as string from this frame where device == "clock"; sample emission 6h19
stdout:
7h14
